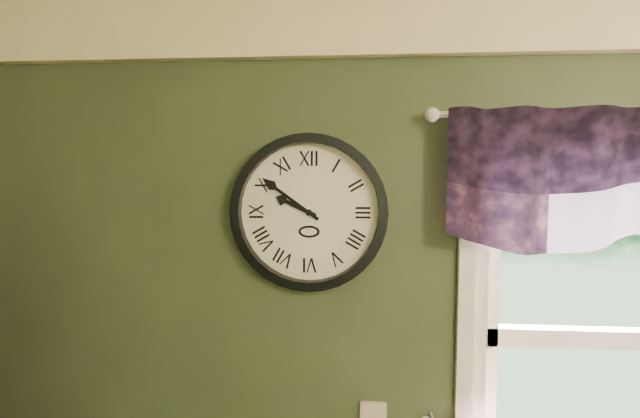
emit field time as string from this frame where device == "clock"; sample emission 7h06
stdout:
9h51
